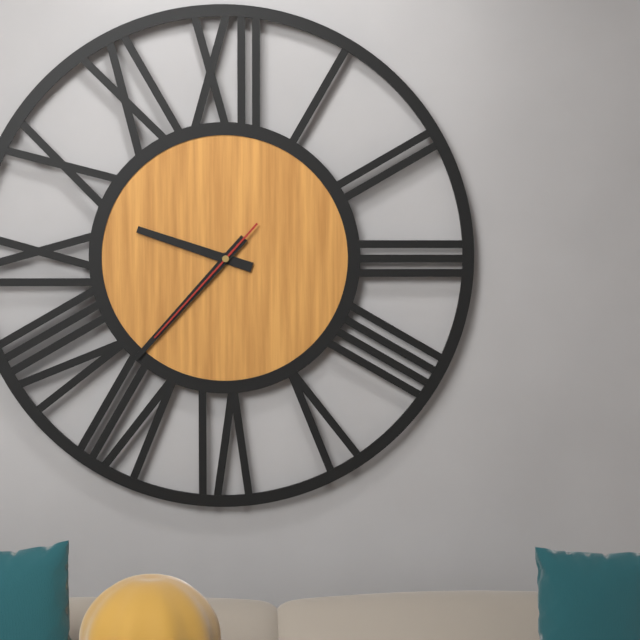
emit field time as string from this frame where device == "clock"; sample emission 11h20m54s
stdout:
9h37m37s
